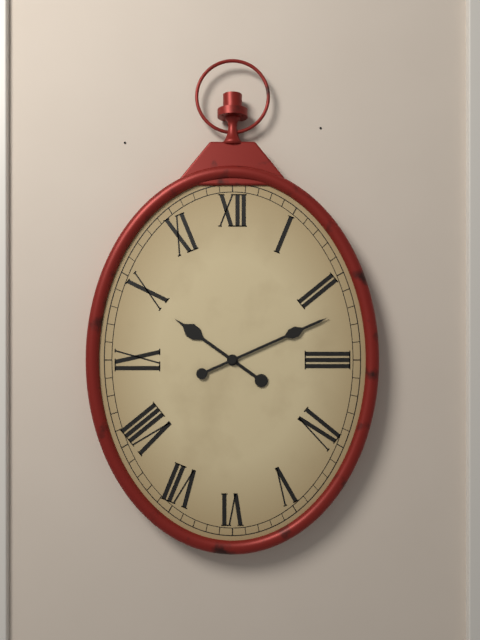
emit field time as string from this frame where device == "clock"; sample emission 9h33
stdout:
10h11
